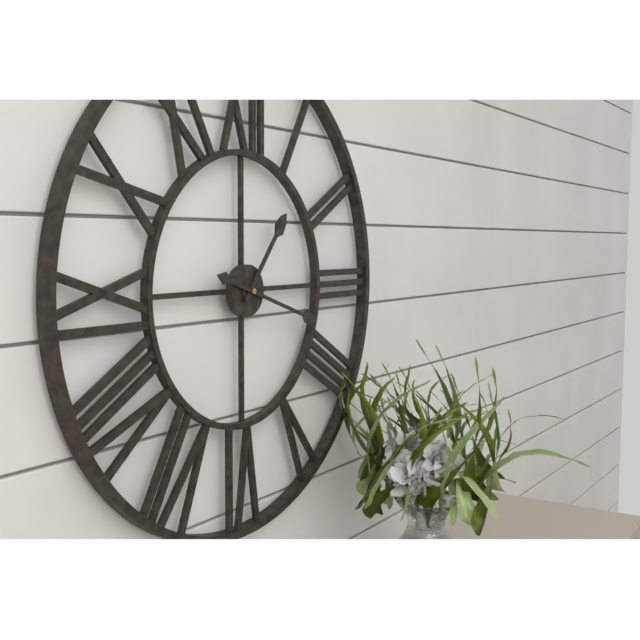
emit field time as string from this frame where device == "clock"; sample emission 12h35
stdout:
1h18
